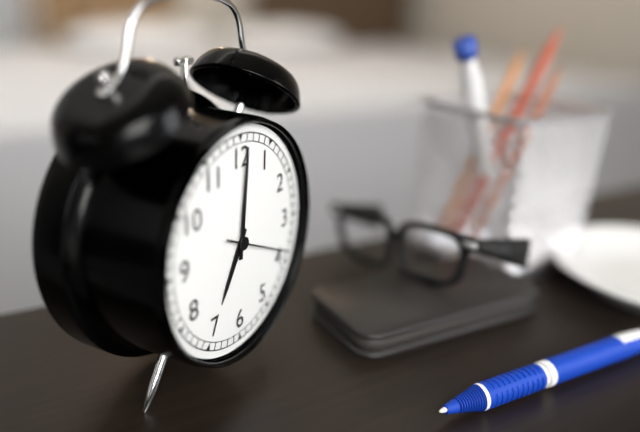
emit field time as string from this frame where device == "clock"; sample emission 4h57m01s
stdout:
7h01m19s
